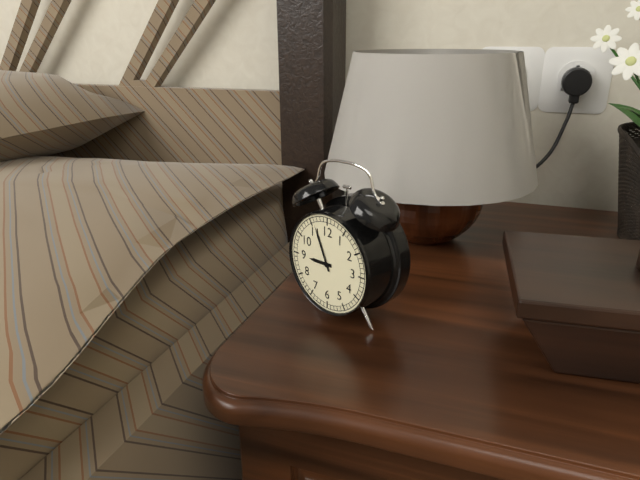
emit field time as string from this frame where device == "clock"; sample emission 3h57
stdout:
8h56
